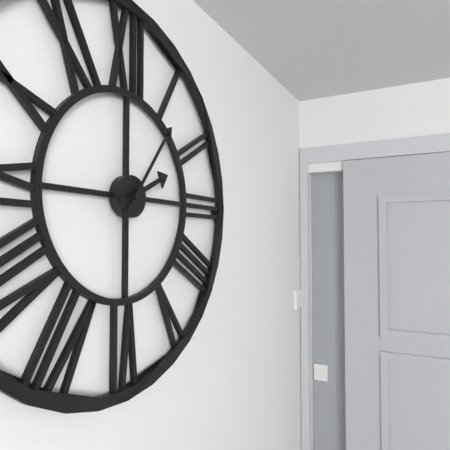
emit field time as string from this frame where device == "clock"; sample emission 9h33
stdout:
2h06
